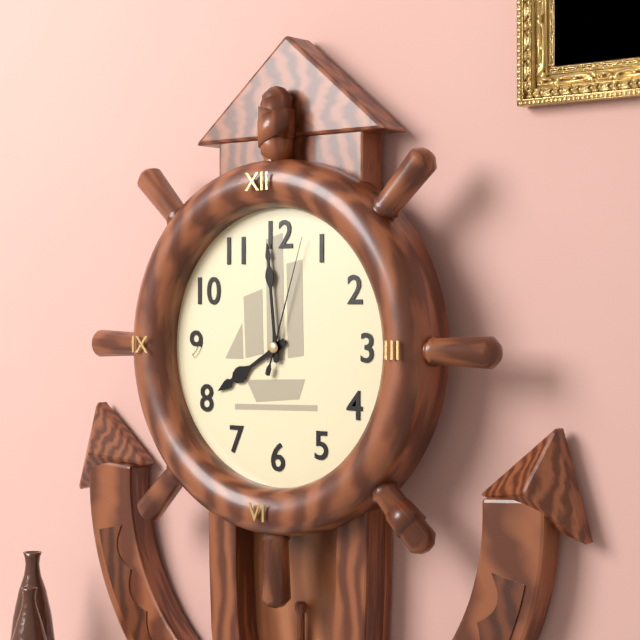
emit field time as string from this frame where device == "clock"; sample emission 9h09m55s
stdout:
7h59m03s
